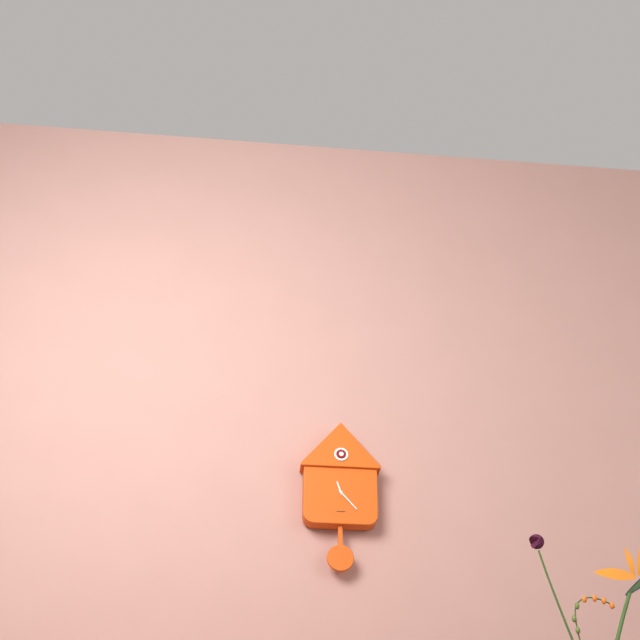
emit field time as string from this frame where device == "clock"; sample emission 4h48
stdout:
11h23
